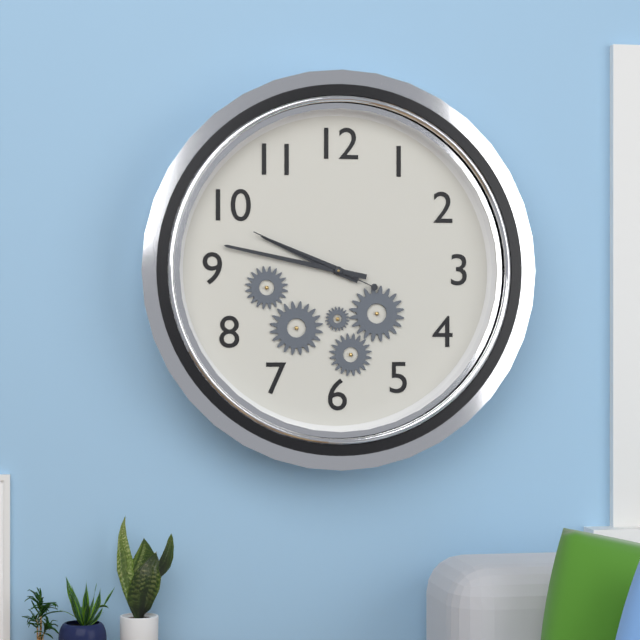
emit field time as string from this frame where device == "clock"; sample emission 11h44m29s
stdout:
9h47m49s
